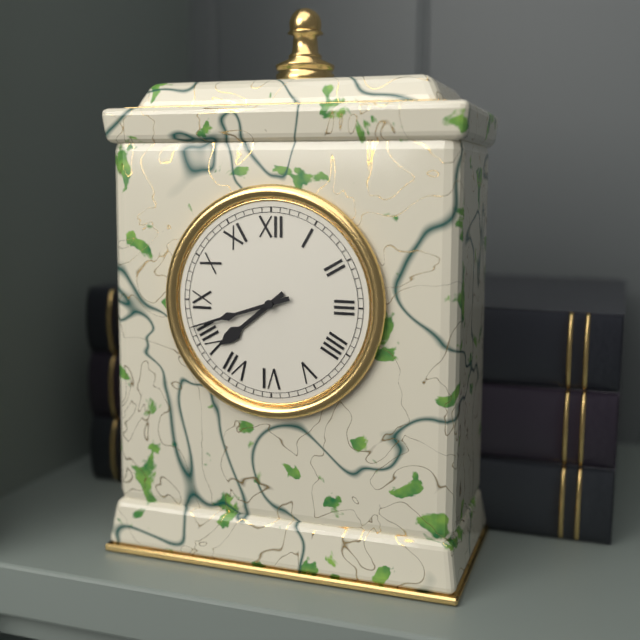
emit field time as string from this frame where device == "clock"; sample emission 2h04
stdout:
7h42
